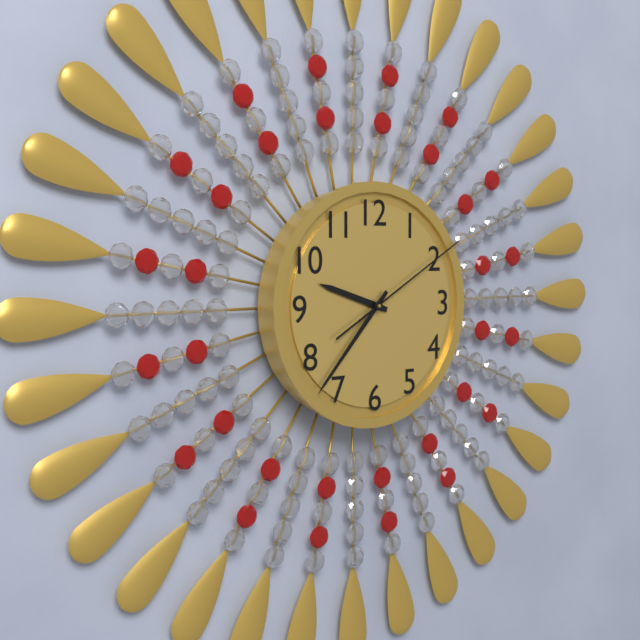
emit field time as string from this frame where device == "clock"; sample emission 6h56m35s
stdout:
9h37m10s
